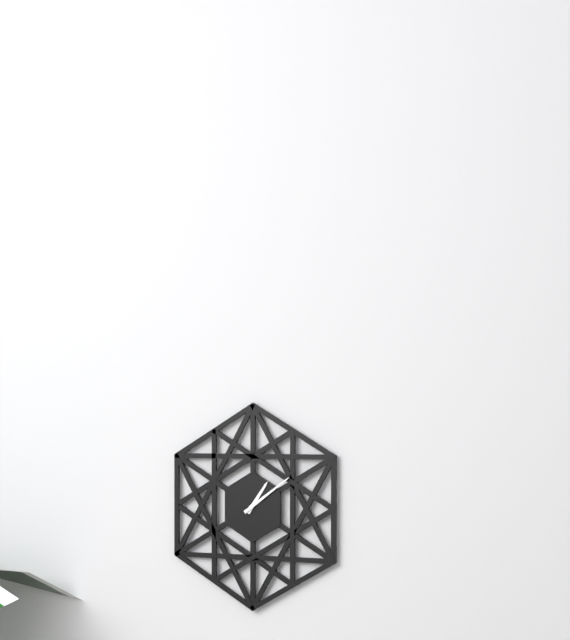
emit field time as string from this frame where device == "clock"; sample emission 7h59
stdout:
1h09
